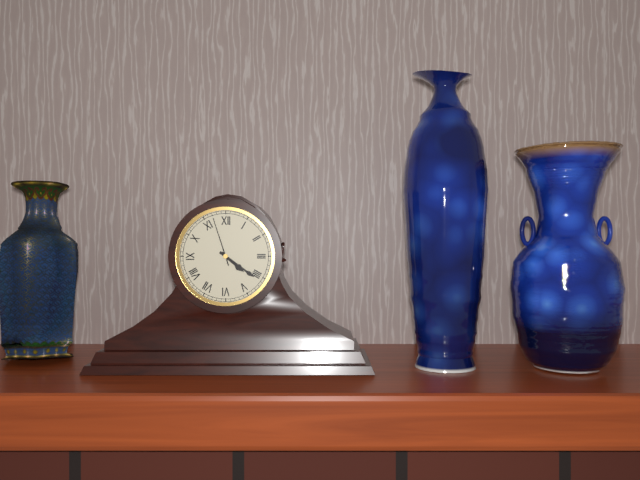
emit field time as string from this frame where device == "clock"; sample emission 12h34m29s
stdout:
4h21m57s
